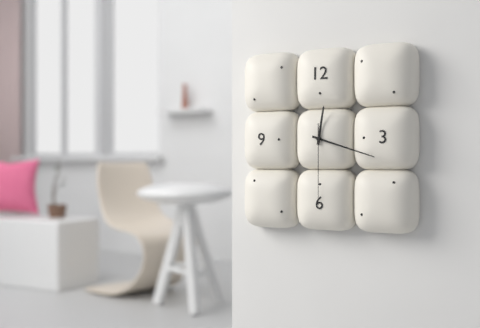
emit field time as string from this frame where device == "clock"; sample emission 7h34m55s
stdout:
12h18m30s
